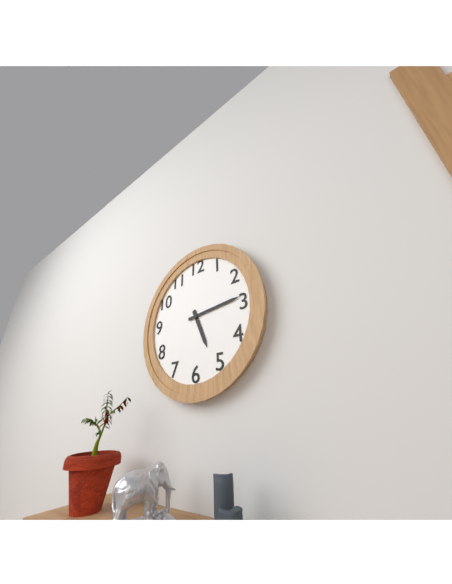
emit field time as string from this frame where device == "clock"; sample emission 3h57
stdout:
5h14
